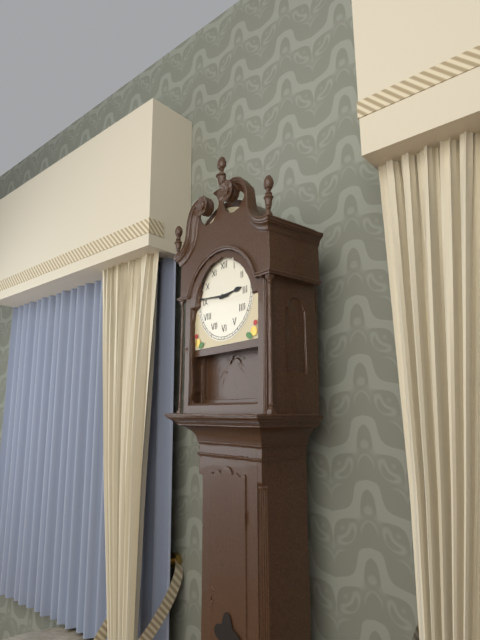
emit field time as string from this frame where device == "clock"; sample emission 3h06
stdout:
2h46
